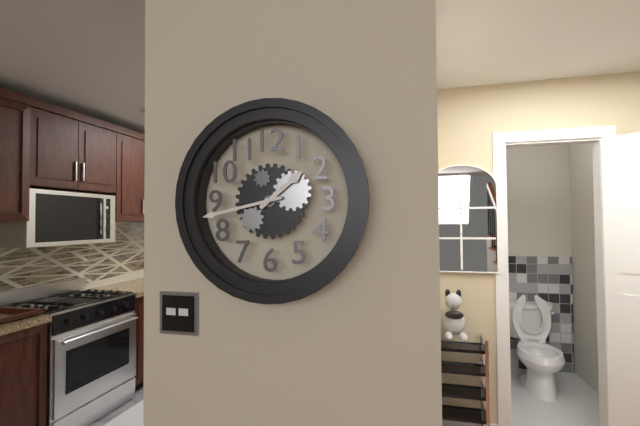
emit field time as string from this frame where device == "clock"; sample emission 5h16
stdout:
1h43
